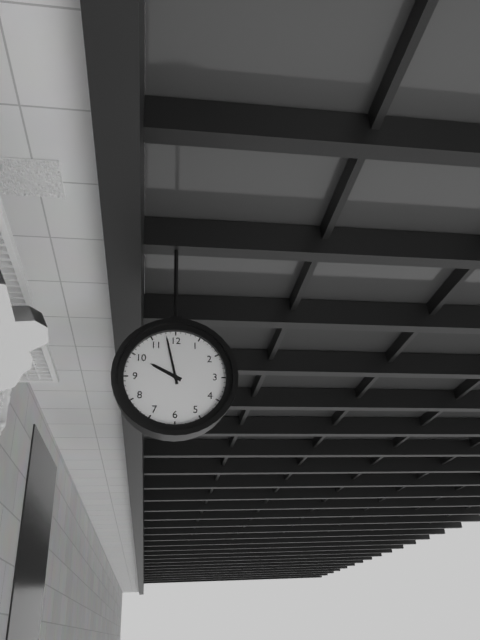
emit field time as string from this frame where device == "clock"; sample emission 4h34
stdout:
9h58
